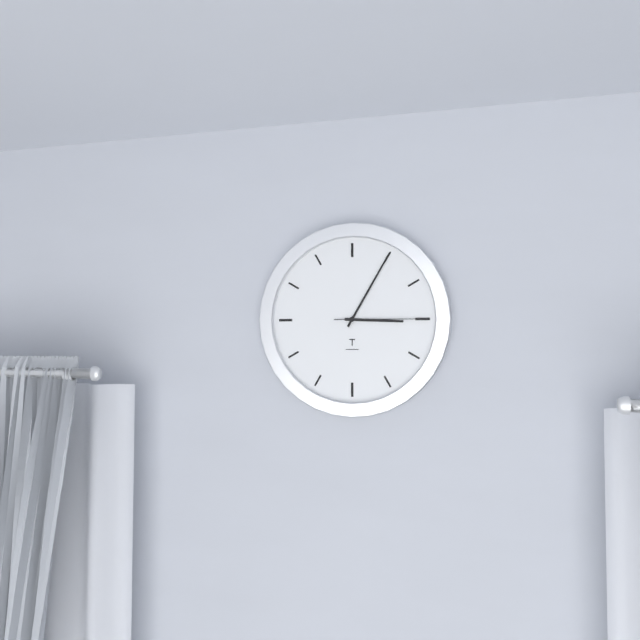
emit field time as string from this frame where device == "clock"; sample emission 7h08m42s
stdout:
3h05m15s
